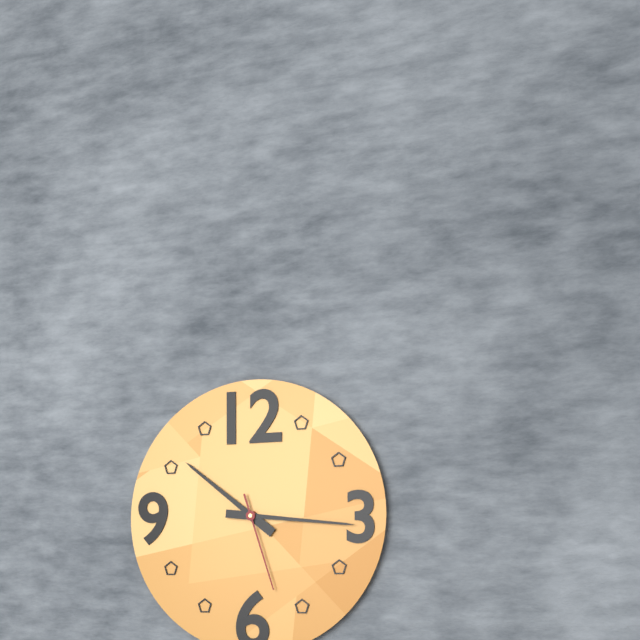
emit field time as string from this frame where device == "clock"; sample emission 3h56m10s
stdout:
10h16m27s
